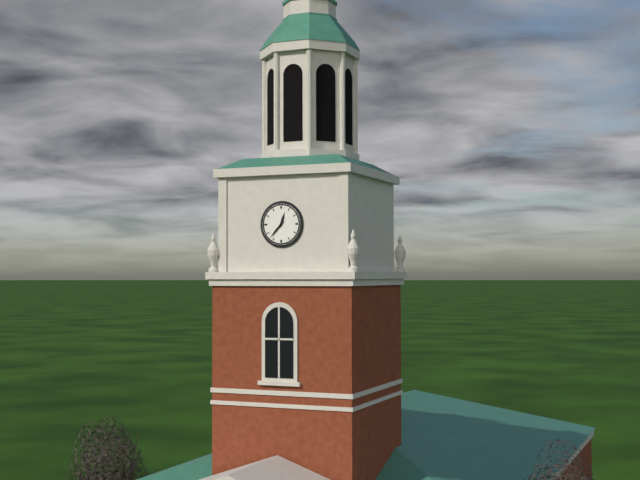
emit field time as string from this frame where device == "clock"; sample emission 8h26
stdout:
12h37
